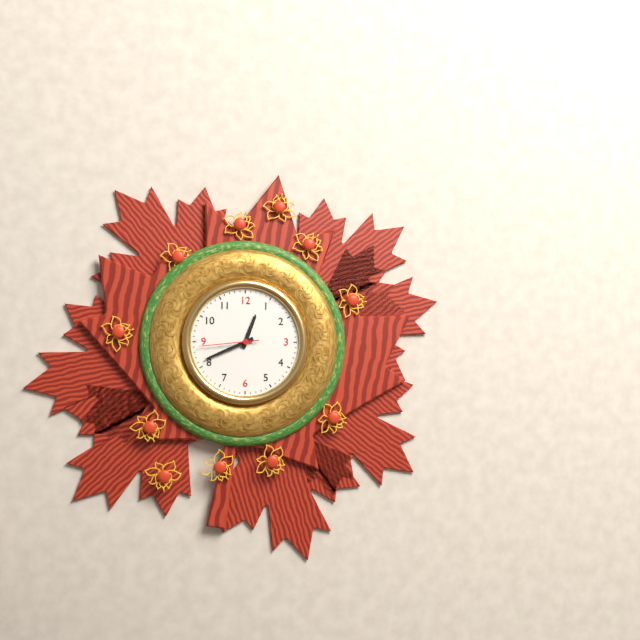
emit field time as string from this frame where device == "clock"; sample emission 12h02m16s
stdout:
12h41m44s
